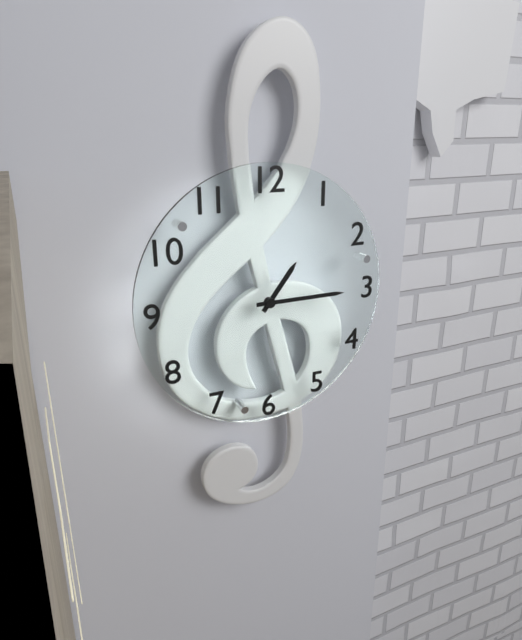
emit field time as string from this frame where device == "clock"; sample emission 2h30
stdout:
1h15
